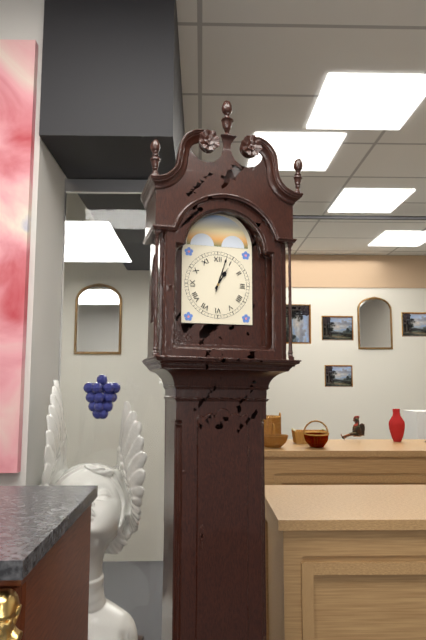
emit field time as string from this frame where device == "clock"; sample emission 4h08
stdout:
1h03
